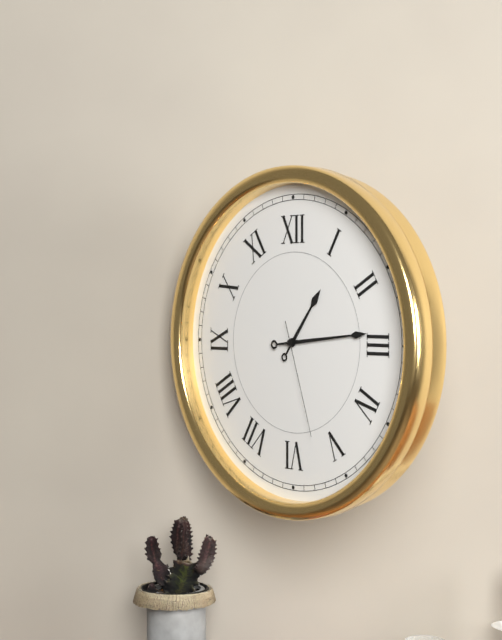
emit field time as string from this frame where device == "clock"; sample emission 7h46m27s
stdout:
1h14m27s
